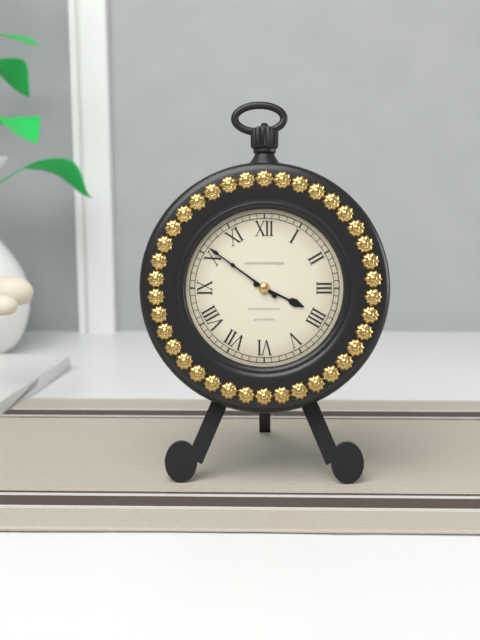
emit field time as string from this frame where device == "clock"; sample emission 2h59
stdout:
3h51
